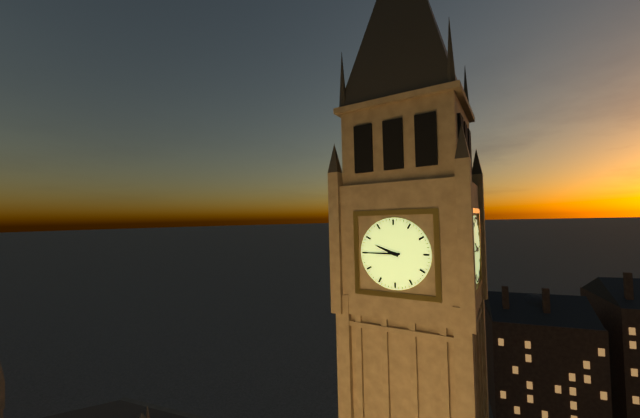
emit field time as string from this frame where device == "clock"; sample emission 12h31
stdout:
9h45
